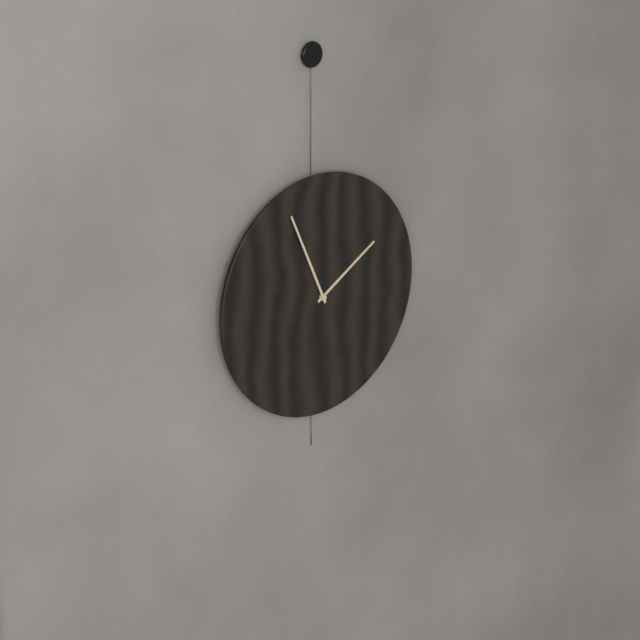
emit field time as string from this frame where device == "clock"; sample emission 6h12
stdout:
1h56
